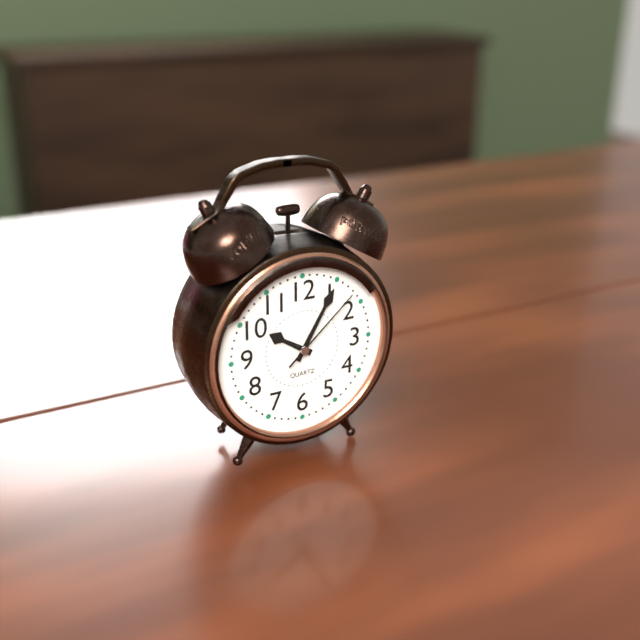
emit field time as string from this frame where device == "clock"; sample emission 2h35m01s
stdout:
10h05m08s
